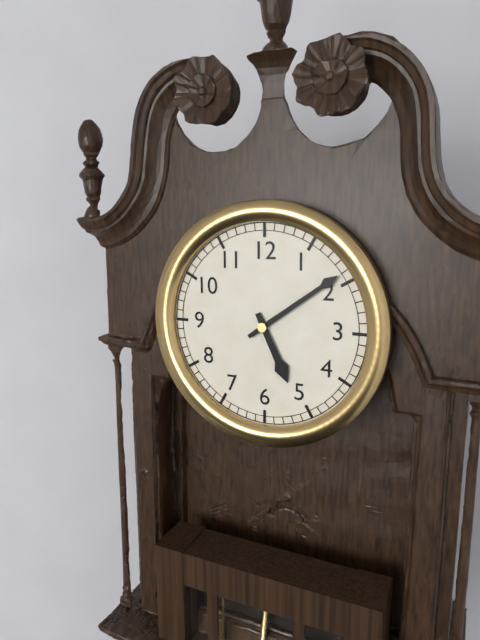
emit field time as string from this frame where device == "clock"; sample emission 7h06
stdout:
5h09
